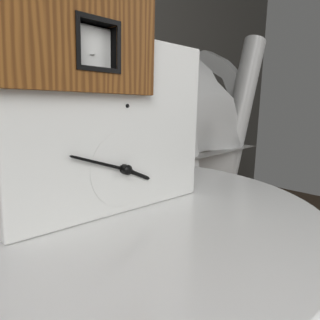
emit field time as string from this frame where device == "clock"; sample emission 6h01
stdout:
3h48
